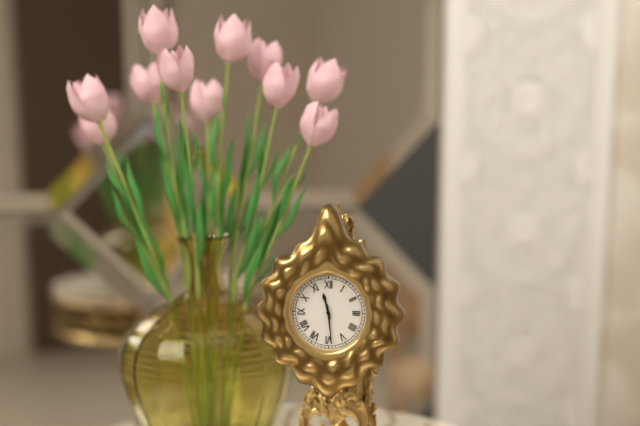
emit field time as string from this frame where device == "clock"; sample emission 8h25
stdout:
11h29
